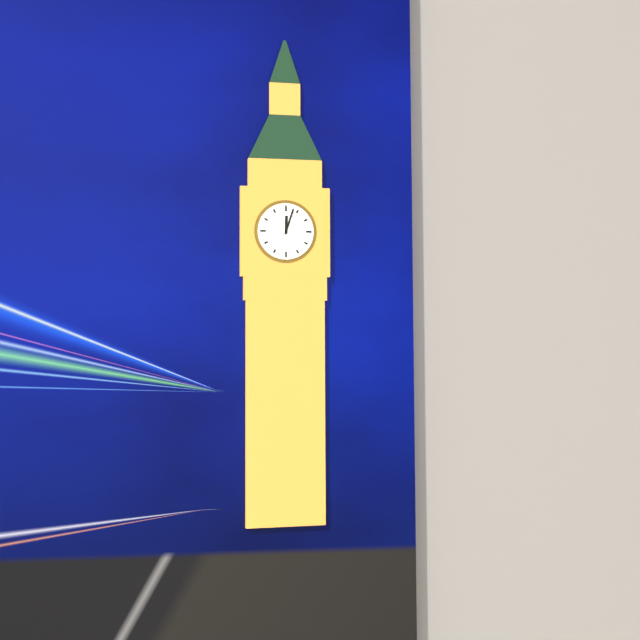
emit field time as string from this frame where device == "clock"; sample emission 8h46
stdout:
12h03
